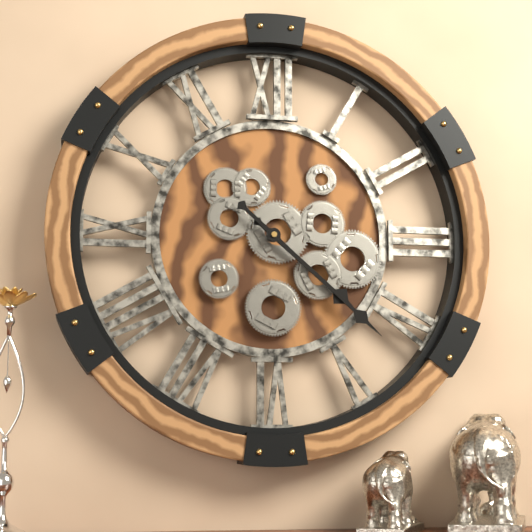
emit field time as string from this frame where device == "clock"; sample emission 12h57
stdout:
4h22
